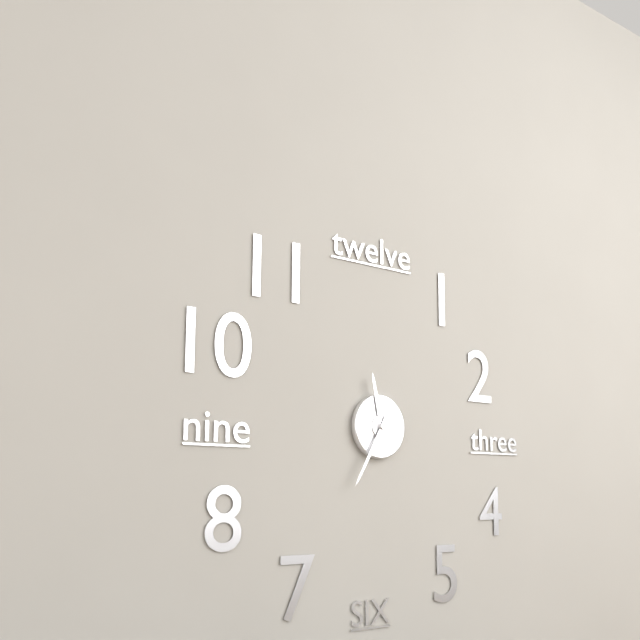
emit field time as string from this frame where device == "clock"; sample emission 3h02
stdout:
11h35
